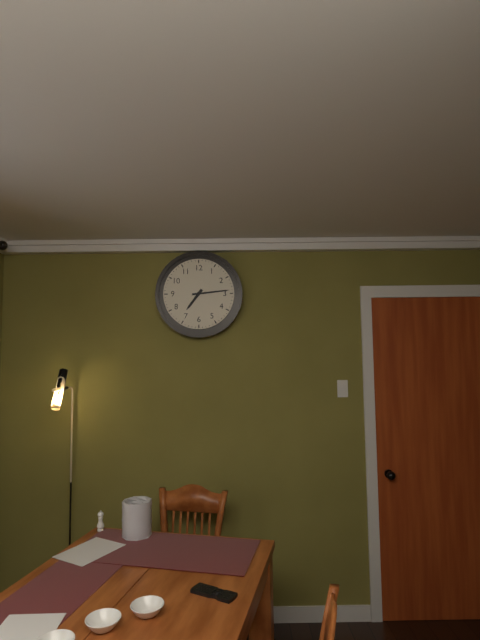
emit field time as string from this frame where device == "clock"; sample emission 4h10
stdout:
7h14
